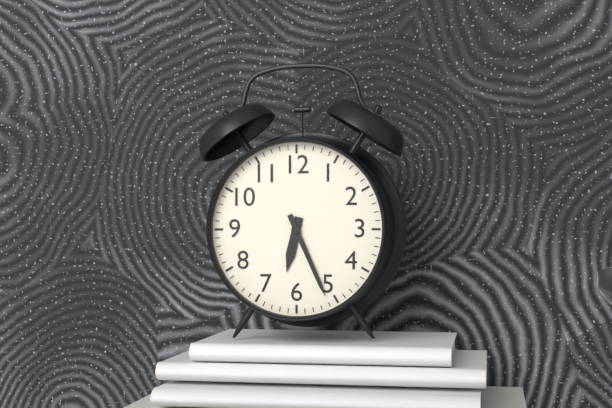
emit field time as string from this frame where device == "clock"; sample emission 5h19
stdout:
6h26
